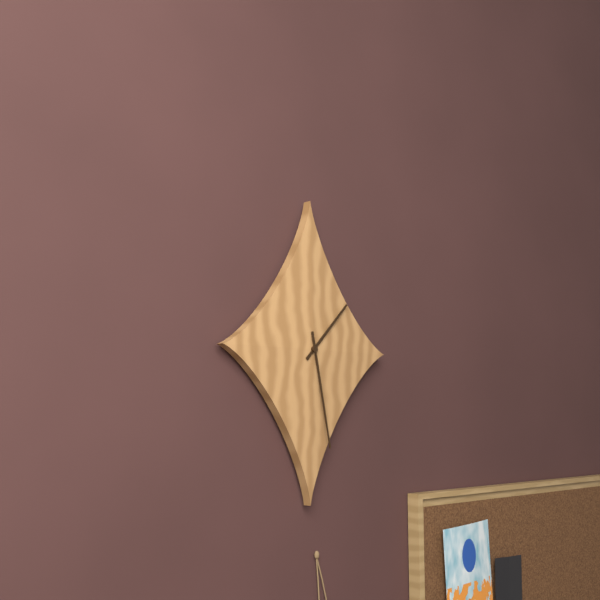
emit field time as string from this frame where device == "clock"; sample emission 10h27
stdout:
1h28
